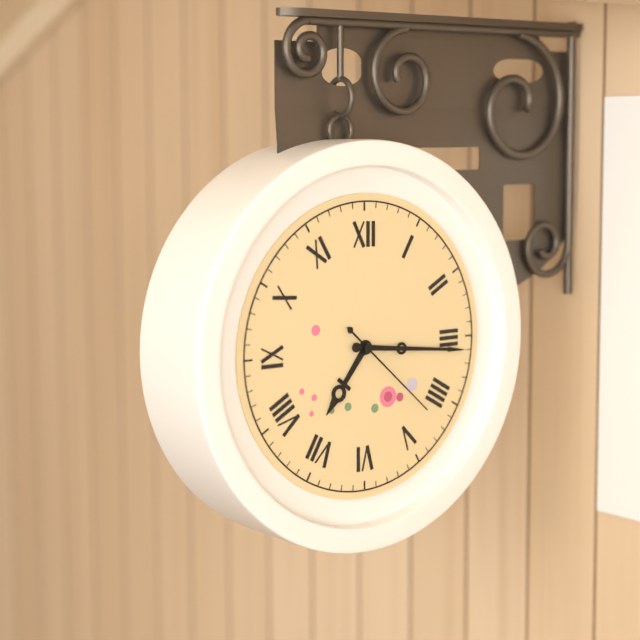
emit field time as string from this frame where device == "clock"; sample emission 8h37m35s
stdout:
7h16m22s
